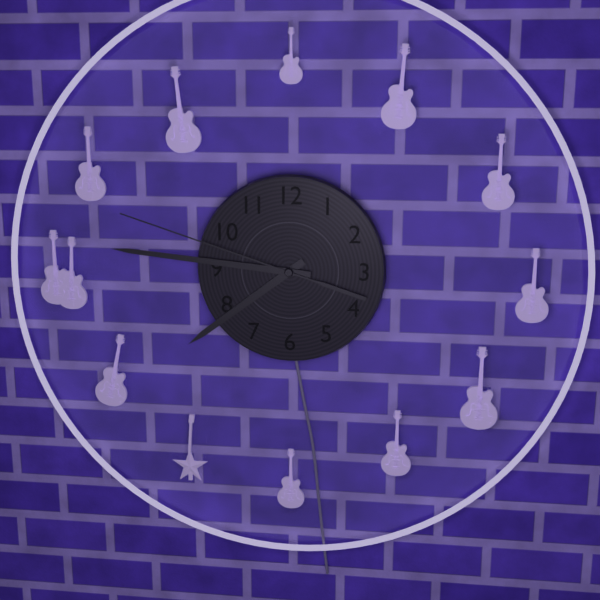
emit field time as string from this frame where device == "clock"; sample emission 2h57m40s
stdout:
7h46m48s
